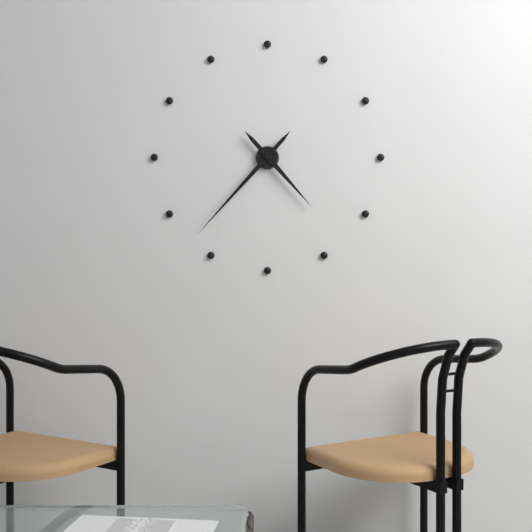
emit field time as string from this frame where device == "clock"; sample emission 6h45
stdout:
4h37
